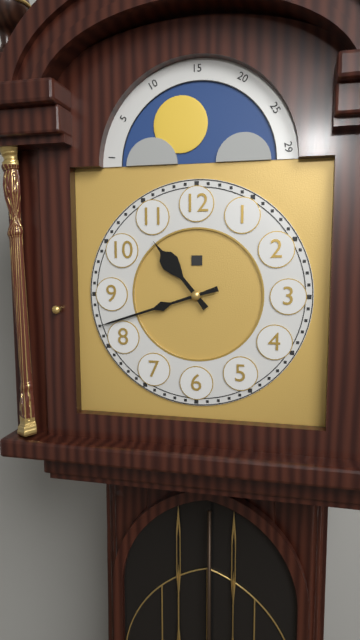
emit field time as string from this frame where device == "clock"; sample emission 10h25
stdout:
10h42
